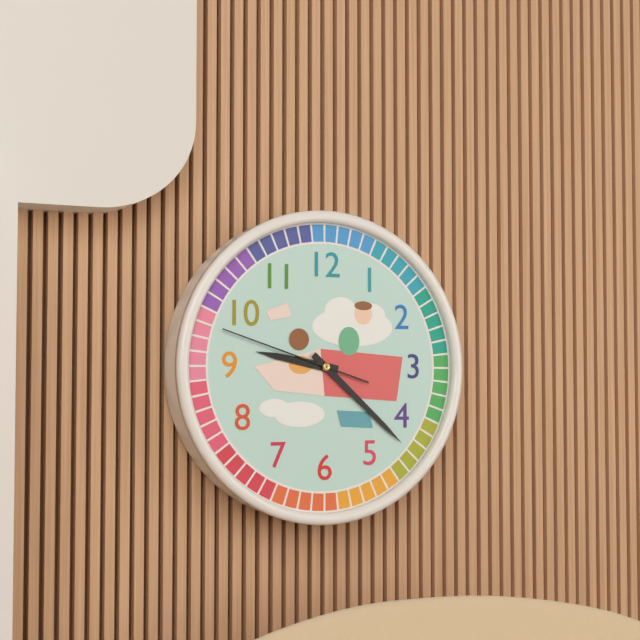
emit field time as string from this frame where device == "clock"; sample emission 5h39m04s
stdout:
9h22m48s
